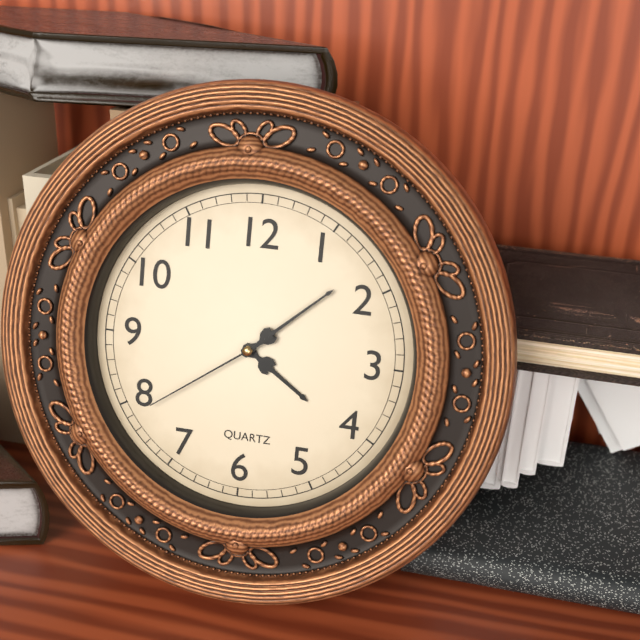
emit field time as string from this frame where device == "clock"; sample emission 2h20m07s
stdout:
4h08m39s
